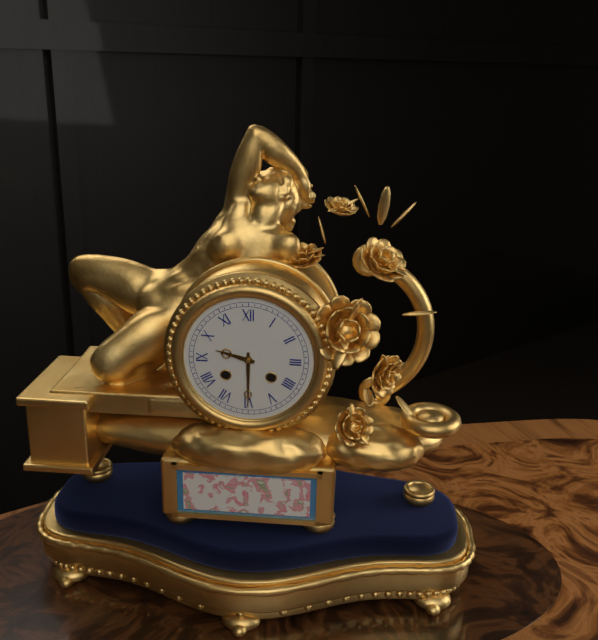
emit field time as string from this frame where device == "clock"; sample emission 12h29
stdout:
9h30
